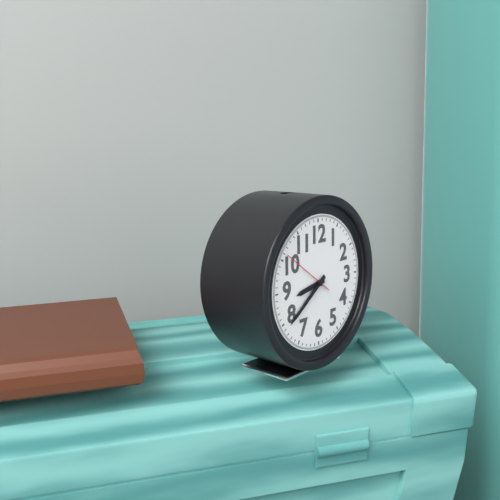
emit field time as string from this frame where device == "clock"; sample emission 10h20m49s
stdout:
8h39m51s
